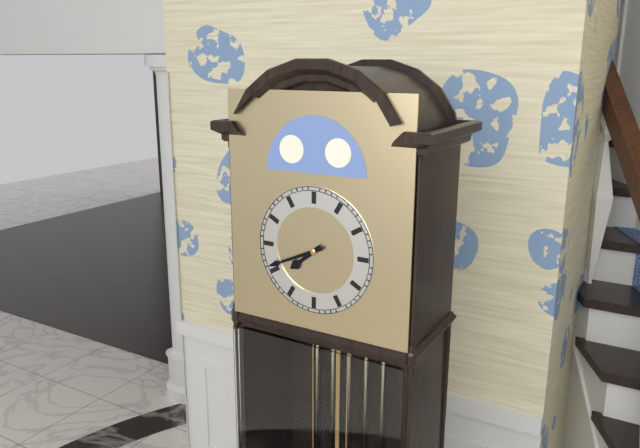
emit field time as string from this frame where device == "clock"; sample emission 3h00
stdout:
7h41
